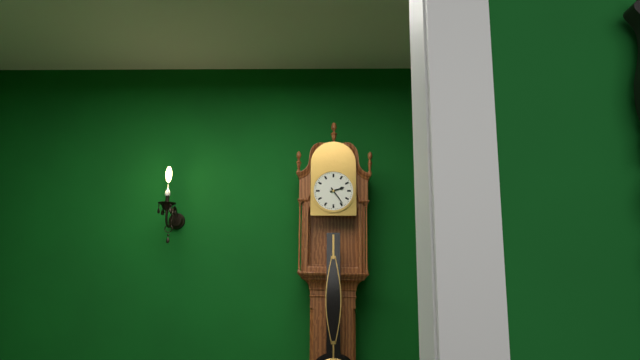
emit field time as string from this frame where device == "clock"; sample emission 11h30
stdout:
2h24
